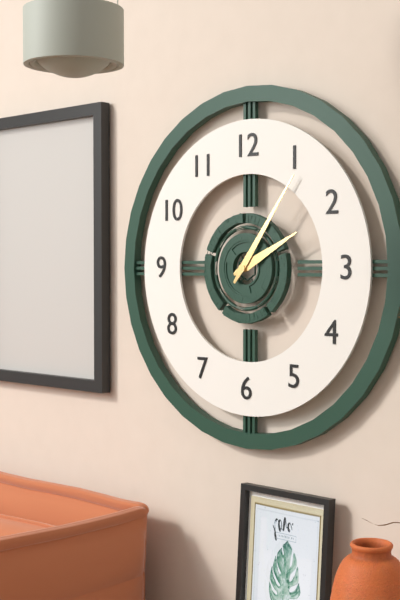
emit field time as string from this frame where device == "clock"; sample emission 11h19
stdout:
2h06
